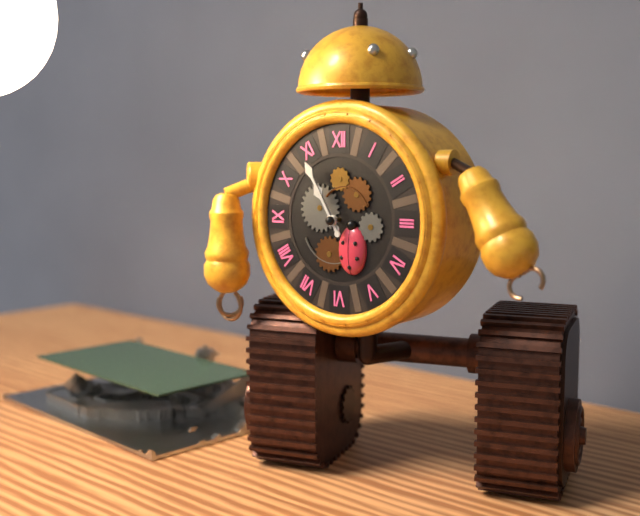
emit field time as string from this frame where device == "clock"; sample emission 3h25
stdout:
10h55
